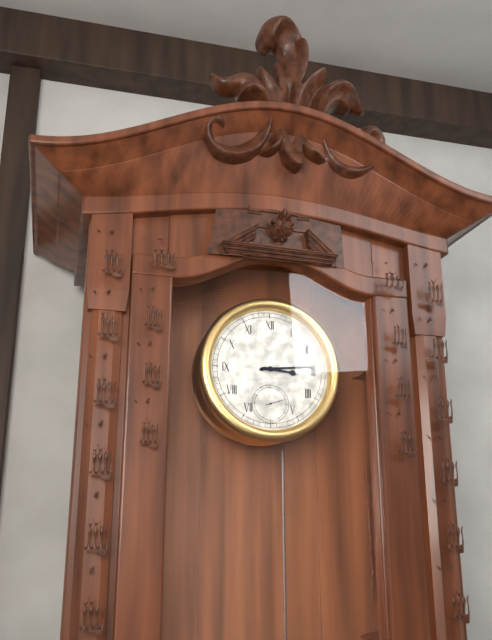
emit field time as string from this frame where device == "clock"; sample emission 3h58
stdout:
3h14
